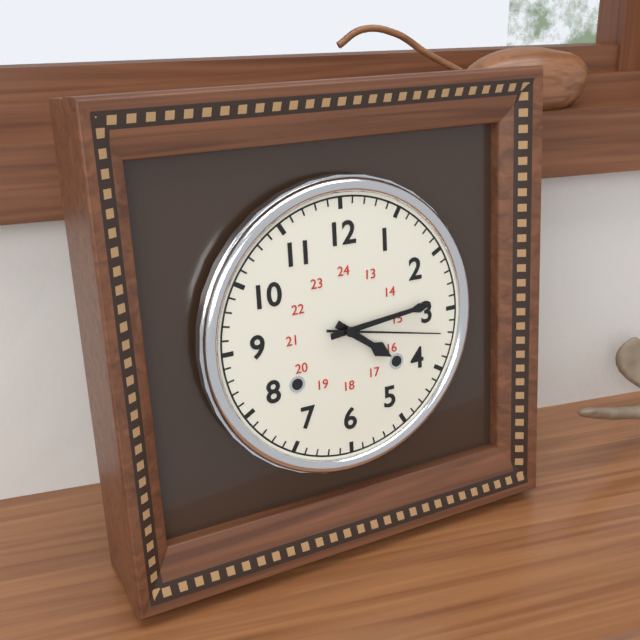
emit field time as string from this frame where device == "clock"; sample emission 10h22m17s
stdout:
4h14m17s
